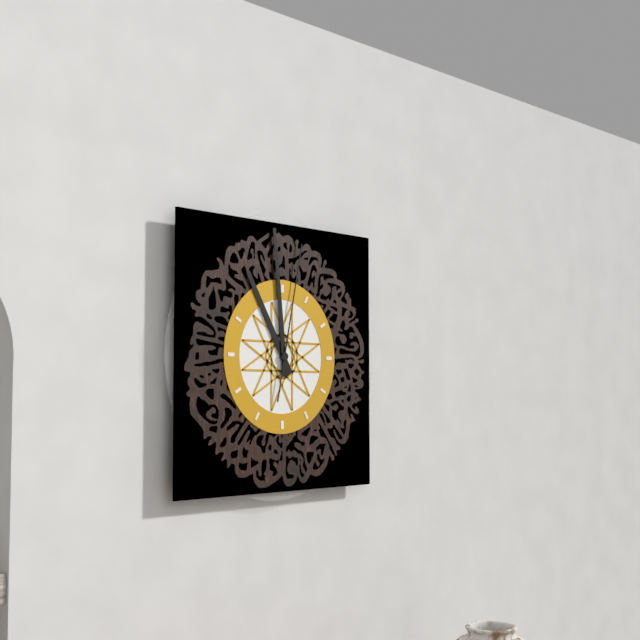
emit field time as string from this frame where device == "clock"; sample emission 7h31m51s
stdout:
10h59m02s
